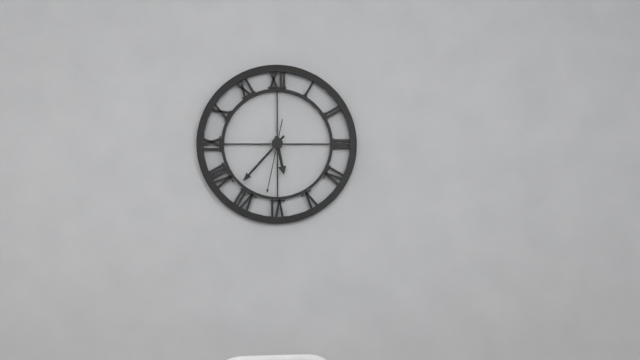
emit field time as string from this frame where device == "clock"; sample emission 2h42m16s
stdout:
5h37m32s
